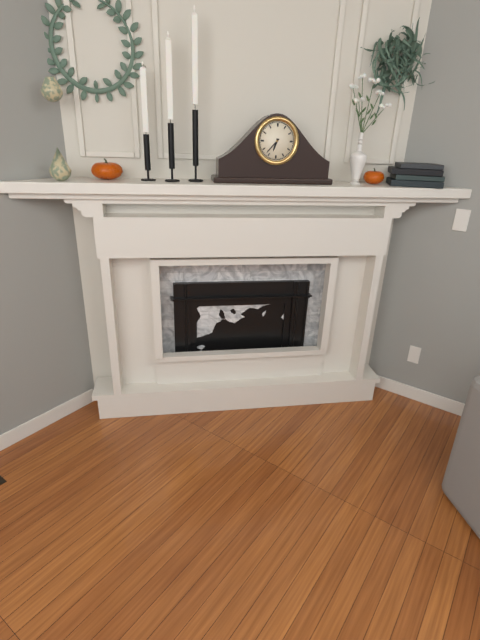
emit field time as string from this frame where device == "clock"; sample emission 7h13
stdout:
6h37
